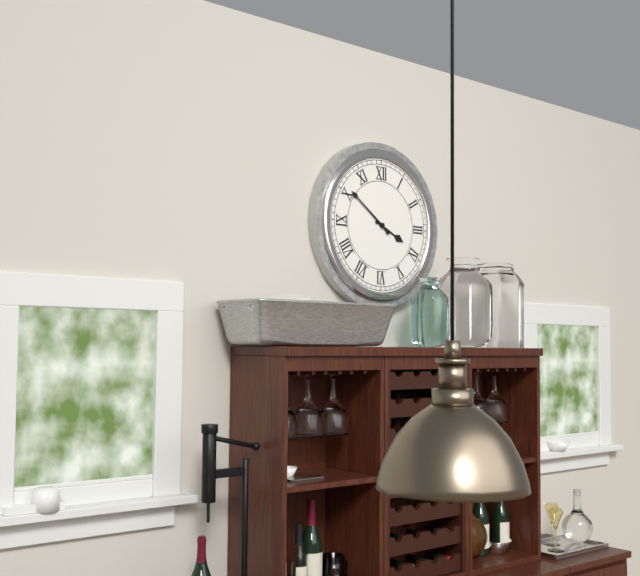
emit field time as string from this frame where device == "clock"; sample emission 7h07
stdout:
3h51
